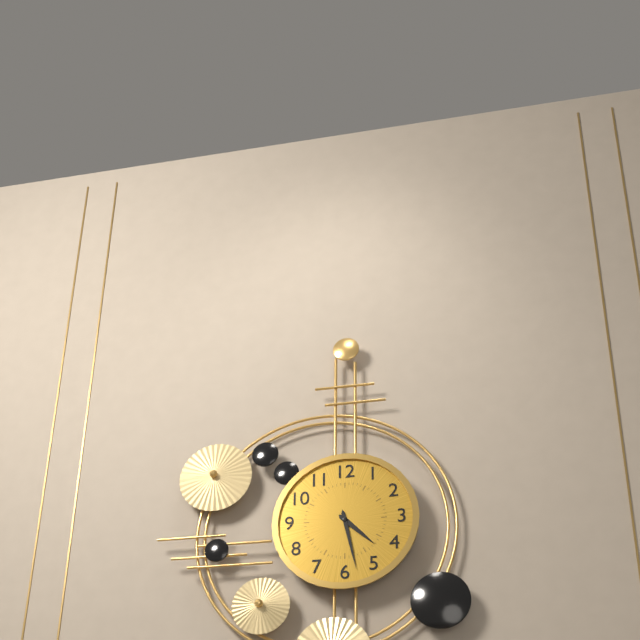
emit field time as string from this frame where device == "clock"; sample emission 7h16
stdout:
4h28
